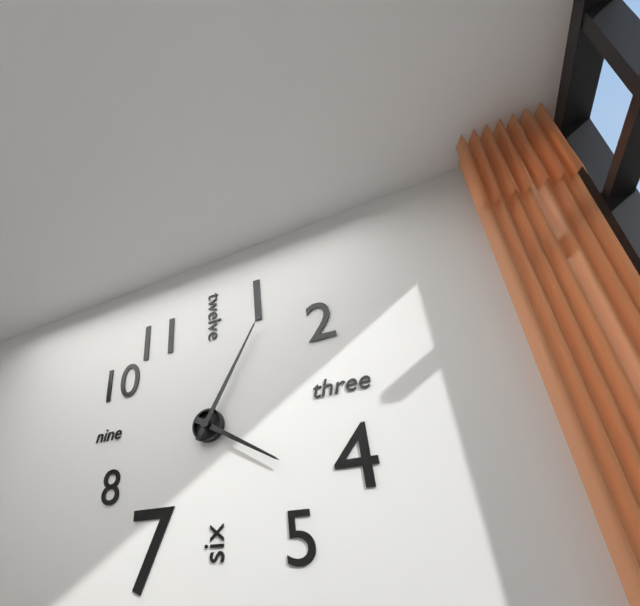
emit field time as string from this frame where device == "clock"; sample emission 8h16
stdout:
4h05
